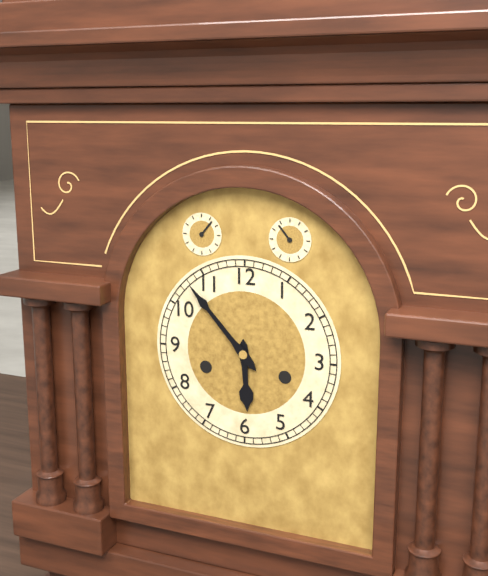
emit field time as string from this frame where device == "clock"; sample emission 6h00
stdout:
5h53
